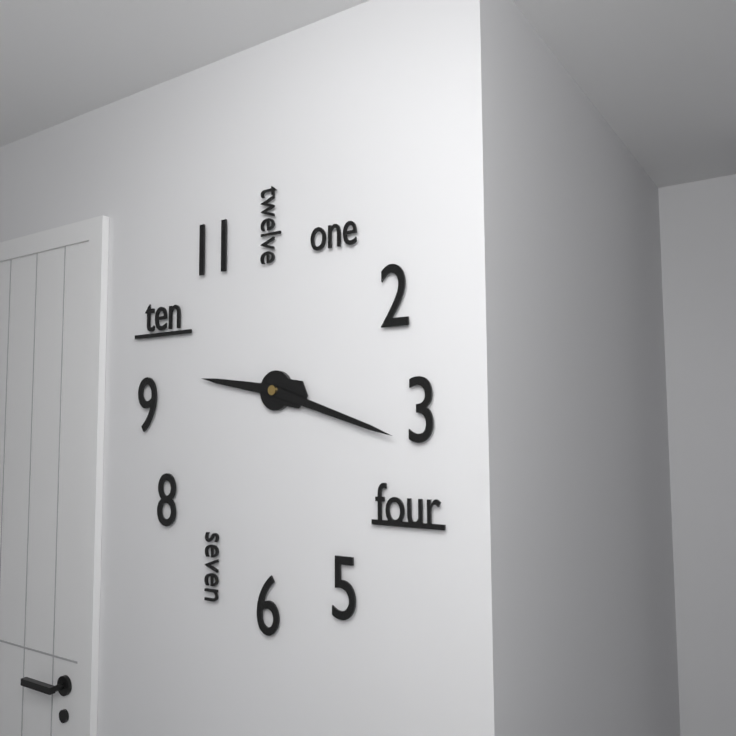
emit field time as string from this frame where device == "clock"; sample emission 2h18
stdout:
9h18
